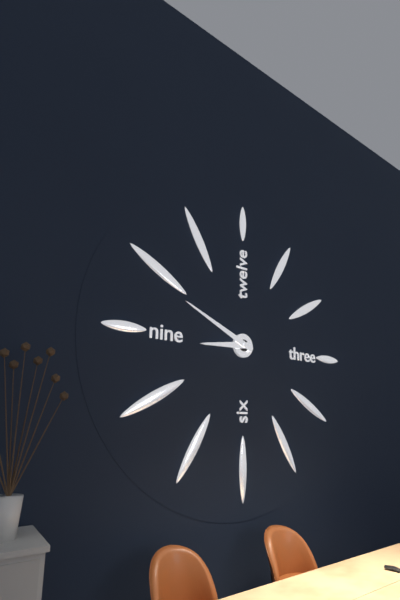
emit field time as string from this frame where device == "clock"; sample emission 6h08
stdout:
8h49
